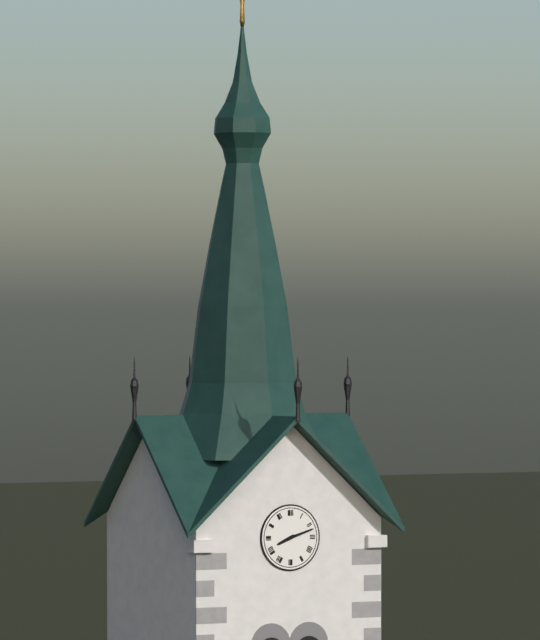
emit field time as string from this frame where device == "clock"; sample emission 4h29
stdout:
8h12
